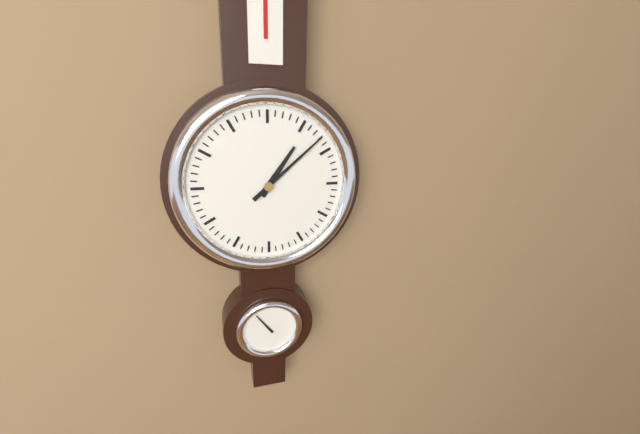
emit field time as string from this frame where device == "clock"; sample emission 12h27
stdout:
1h08
